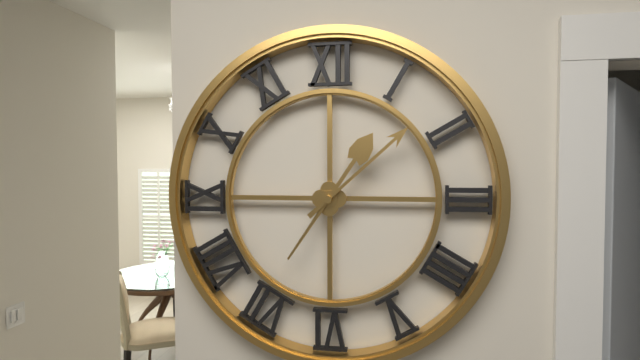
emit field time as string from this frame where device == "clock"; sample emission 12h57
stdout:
1h08
